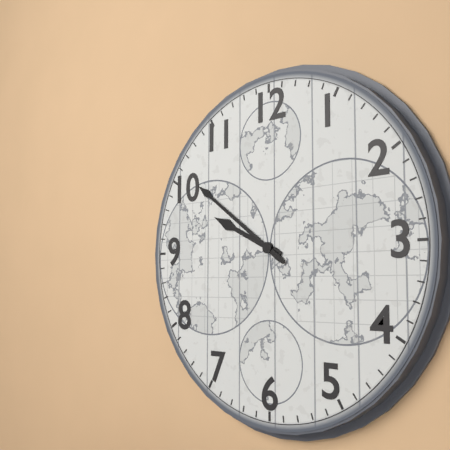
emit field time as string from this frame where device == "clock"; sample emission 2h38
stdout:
9h51
